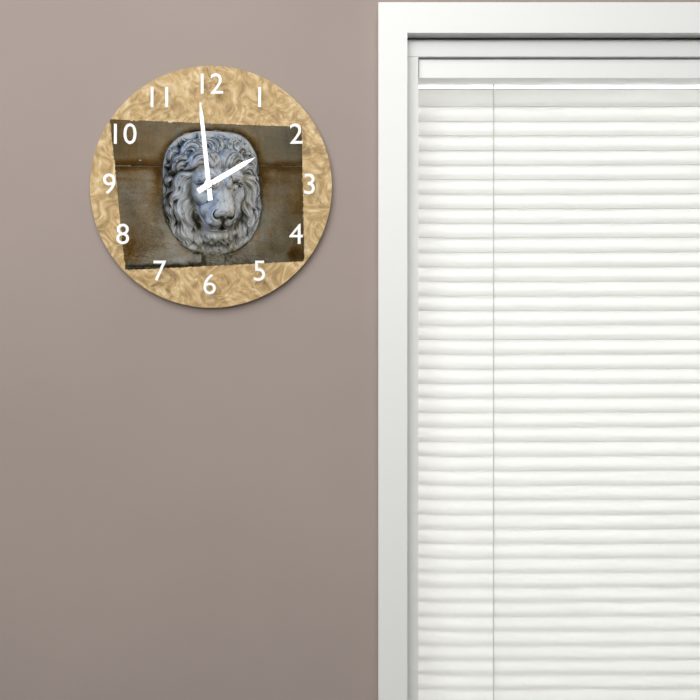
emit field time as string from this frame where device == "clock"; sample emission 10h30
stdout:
1h59
